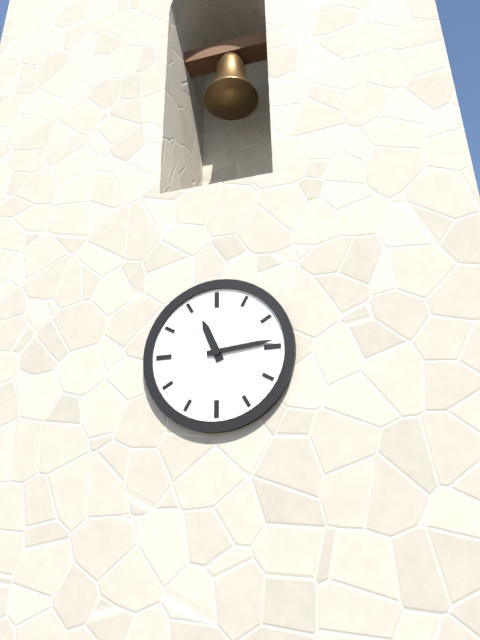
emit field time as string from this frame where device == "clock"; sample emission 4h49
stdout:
11h14
